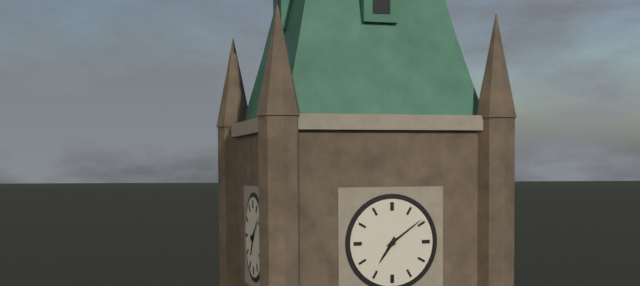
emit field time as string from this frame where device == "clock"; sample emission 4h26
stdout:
7h09
